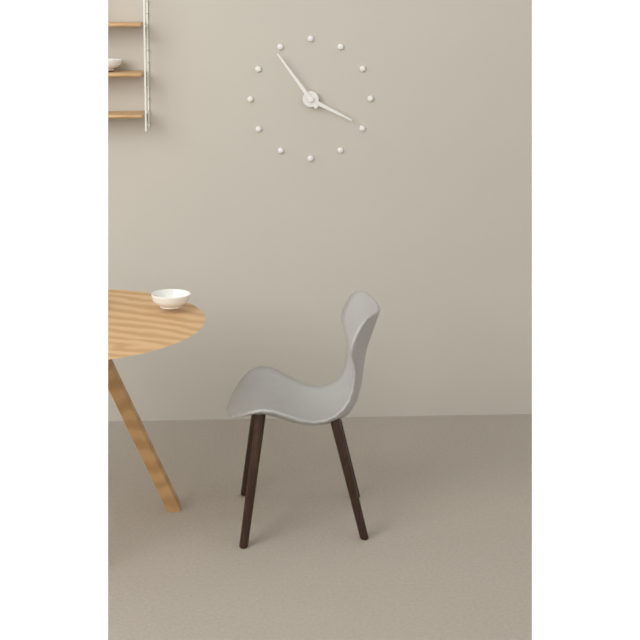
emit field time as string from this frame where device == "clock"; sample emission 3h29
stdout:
3h54
